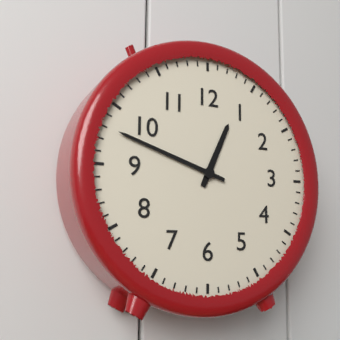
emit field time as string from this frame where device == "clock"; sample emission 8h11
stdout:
12h48
